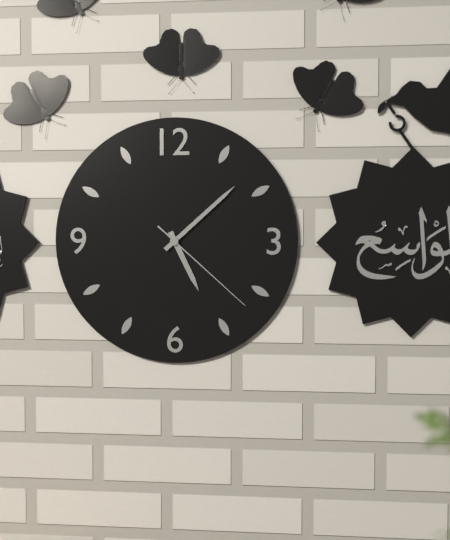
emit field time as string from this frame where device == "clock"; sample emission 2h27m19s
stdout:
5h08m22s
